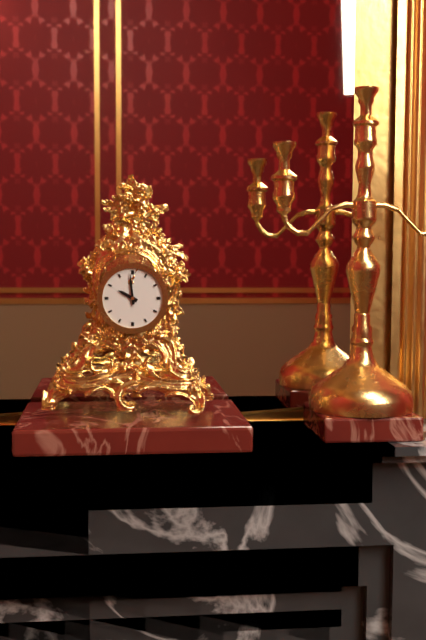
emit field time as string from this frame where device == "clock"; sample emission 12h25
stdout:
9h59
